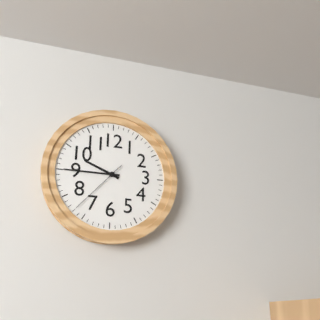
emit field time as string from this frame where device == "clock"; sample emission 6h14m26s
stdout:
9h45m37s
